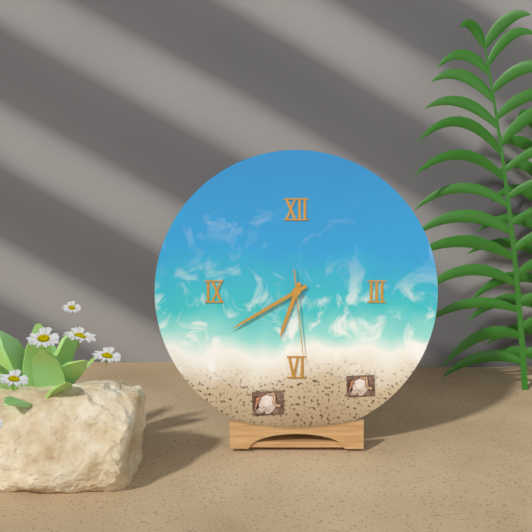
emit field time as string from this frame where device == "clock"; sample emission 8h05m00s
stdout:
6h40m29s
